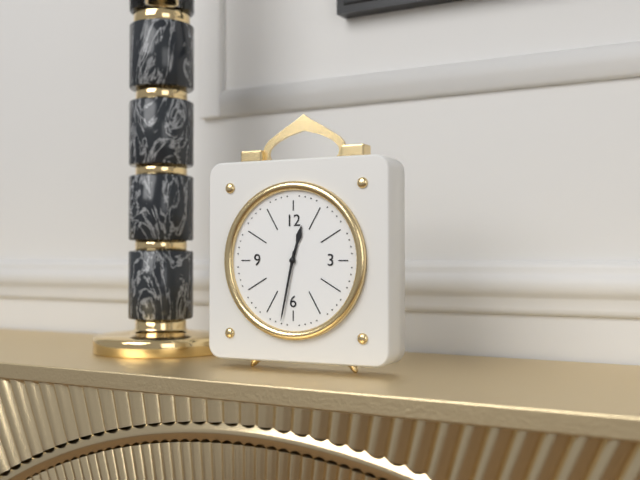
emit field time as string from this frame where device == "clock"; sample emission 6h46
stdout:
12h32
